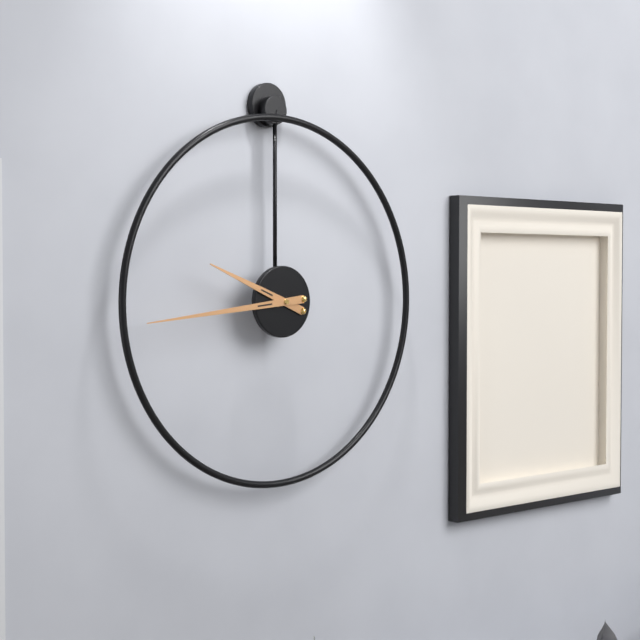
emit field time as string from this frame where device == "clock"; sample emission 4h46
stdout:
9h44
